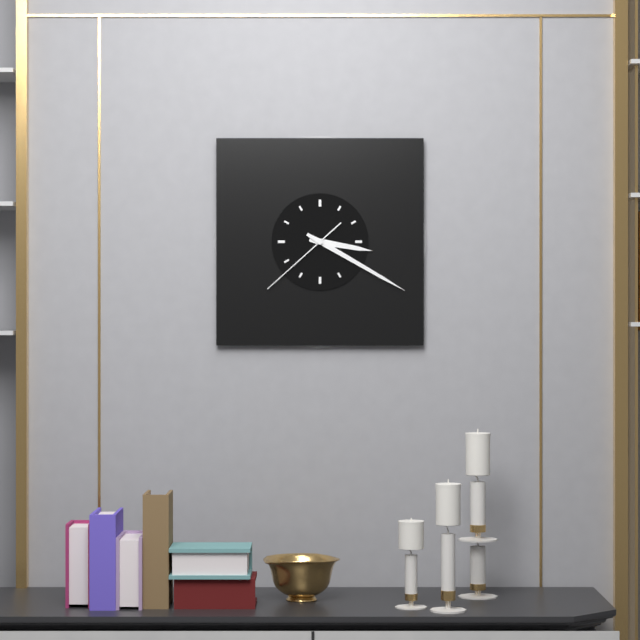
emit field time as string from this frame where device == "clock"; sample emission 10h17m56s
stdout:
3h20m38s
